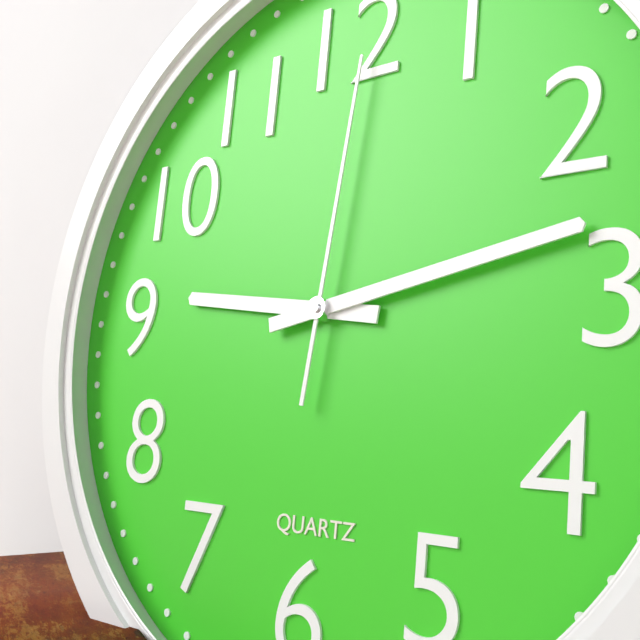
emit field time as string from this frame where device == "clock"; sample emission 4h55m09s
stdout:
9h13m01s
